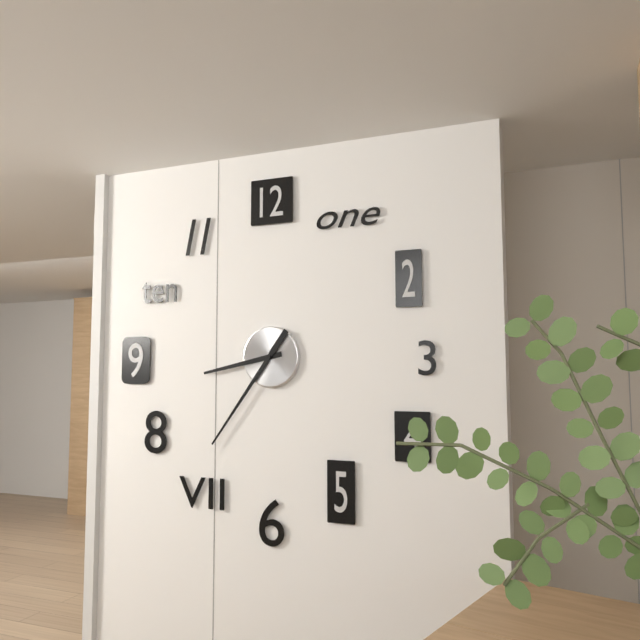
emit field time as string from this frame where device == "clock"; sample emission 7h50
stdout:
8h36
